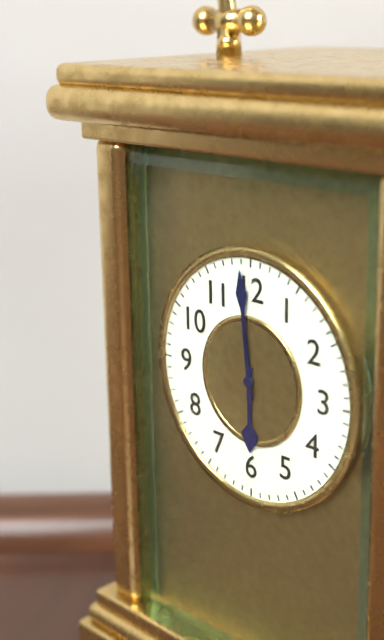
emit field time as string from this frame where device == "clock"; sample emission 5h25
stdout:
5h59
